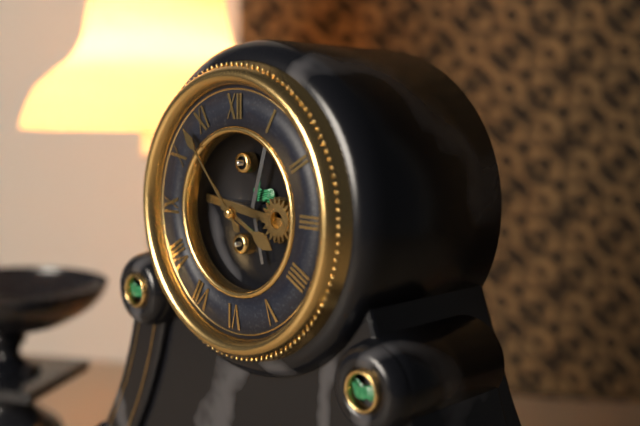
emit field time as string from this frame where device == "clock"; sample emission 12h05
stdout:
3h53
